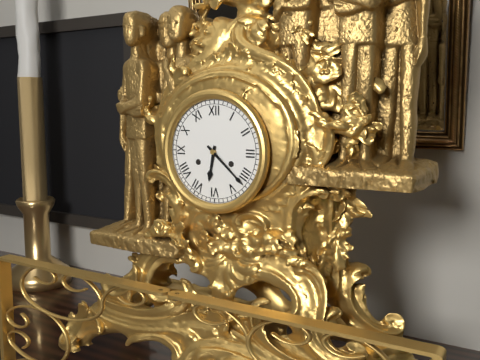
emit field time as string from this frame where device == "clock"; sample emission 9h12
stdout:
6h22
